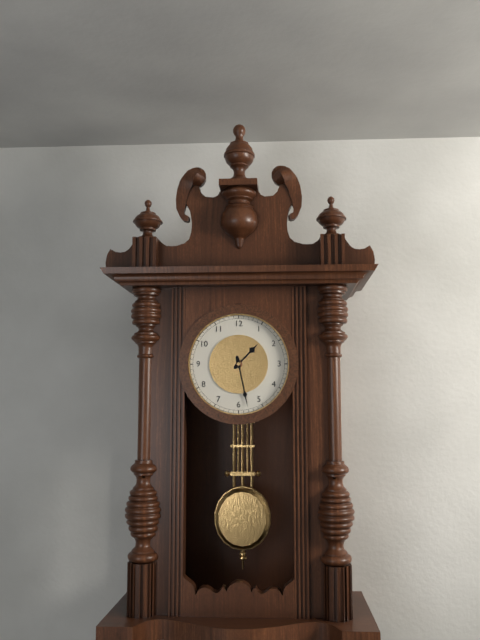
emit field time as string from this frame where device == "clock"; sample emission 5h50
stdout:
1h28
